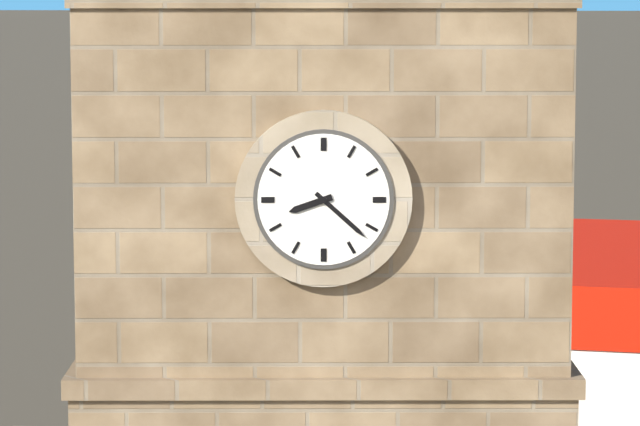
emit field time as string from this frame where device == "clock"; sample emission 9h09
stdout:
8h22
